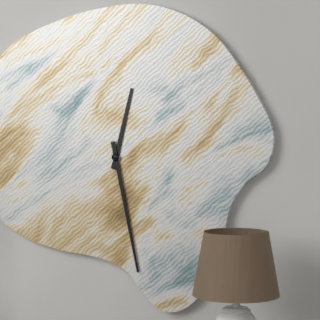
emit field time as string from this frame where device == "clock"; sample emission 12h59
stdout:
12h28
